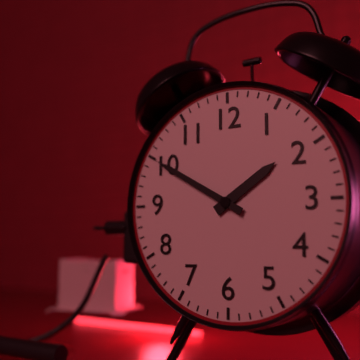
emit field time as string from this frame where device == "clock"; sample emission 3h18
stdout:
1h50
